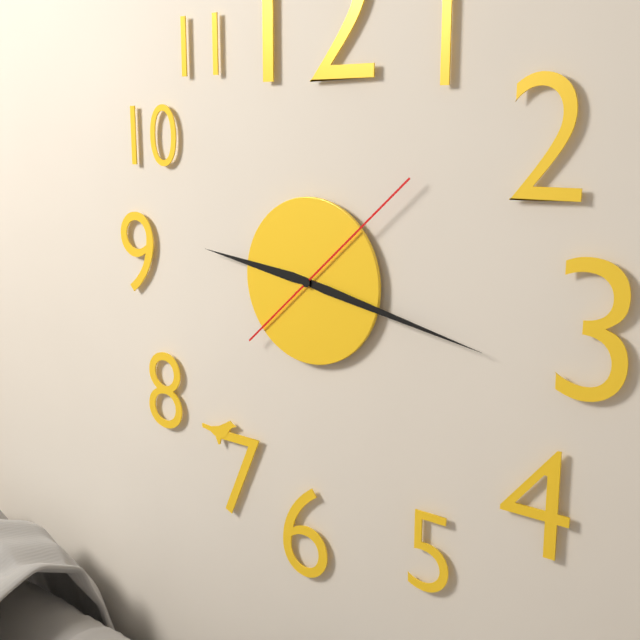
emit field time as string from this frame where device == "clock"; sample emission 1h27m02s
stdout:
9h17m08s
